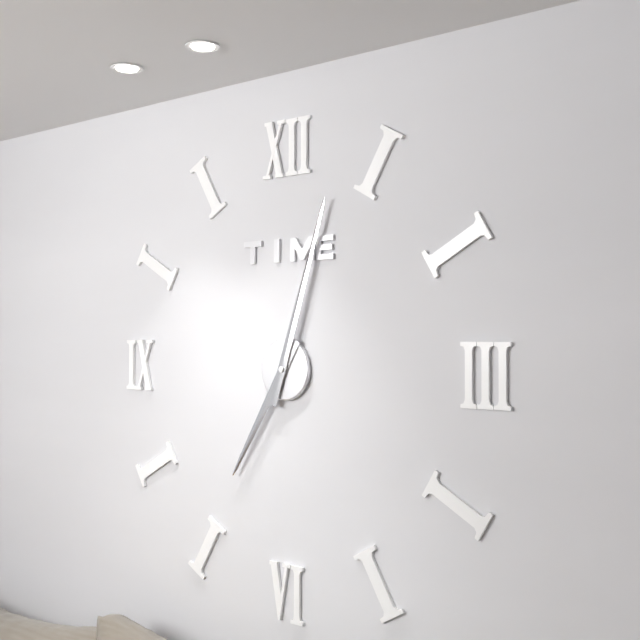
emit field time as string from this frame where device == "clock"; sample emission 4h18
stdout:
7h03
